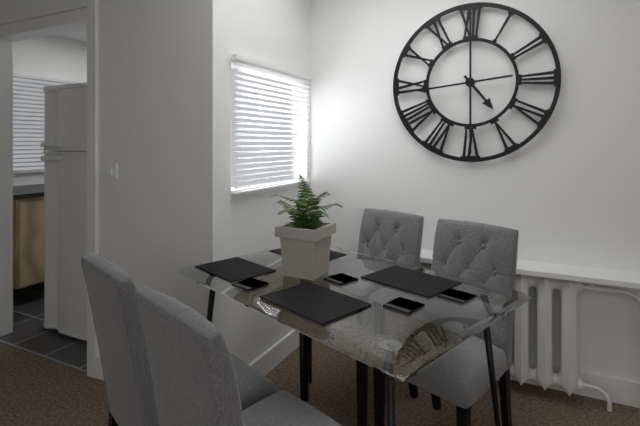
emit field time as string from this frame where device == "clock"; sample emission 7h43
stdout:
4h44
